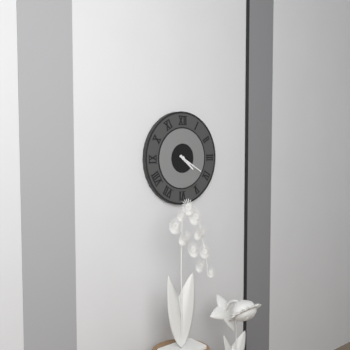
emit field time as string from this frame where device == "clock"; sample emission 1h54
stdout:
4h20
